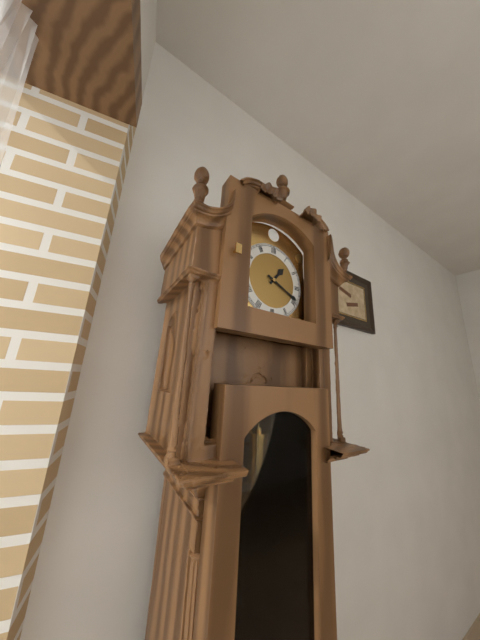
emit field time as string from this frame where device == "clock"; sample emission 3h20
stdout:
1h19
